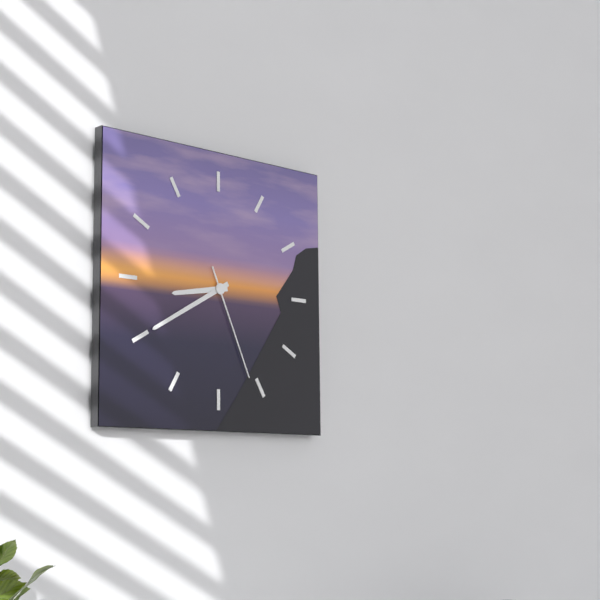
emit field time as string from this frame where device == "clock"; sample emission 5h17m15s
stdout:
8h40m26s
